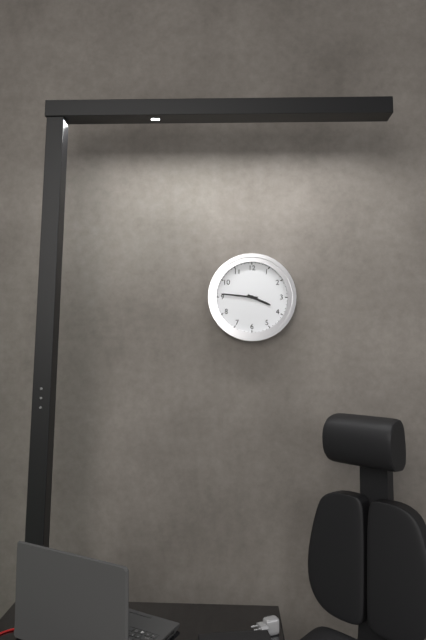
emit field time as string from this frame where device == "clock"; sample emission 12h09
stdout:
3h46
